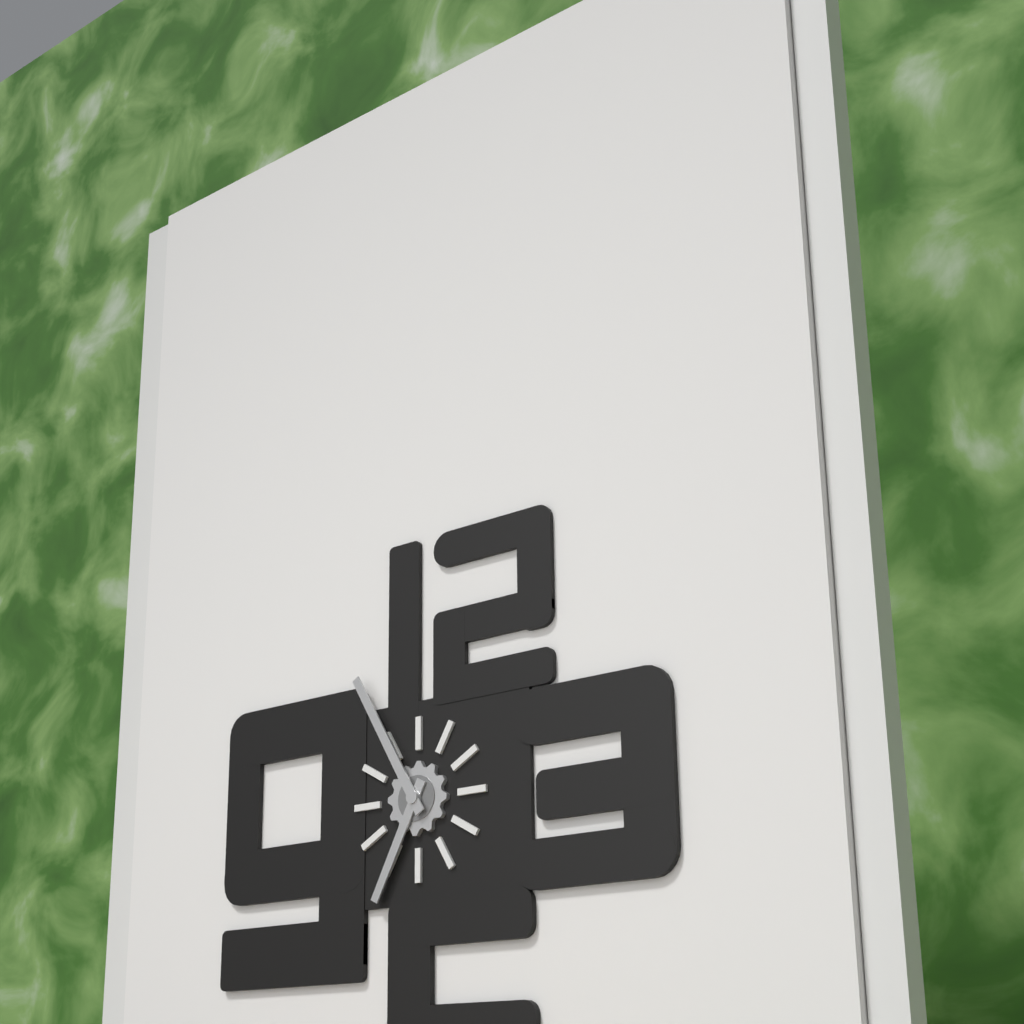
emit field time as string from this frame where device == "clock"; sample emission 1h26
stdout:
6h55
